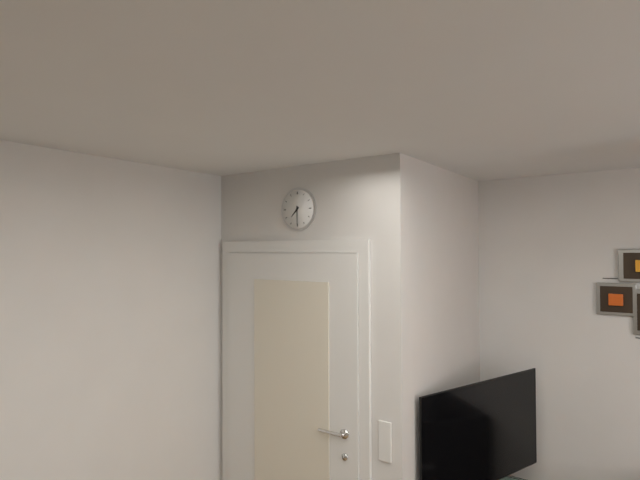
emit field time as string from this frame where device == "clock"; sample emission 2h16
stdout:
7h30
